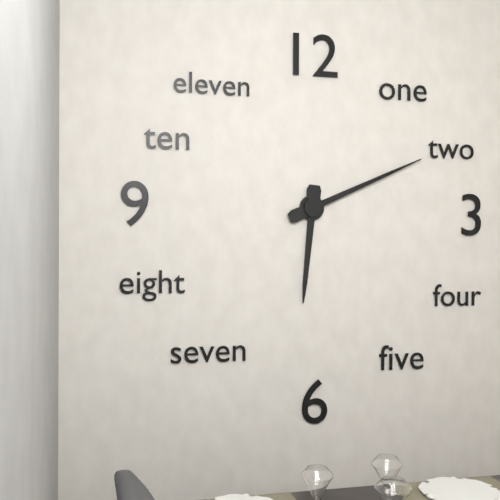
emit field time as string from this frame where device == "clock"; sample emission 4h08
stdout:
6h11
